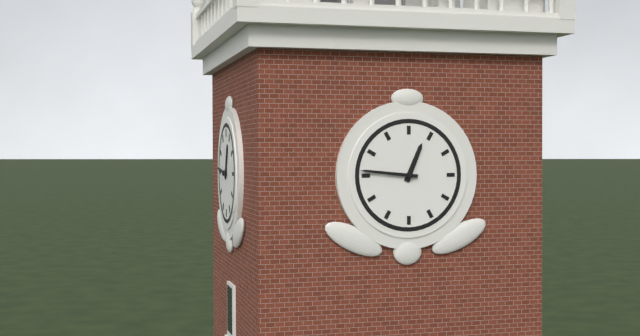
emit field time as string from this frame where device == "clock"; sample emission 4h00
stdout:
12h46
